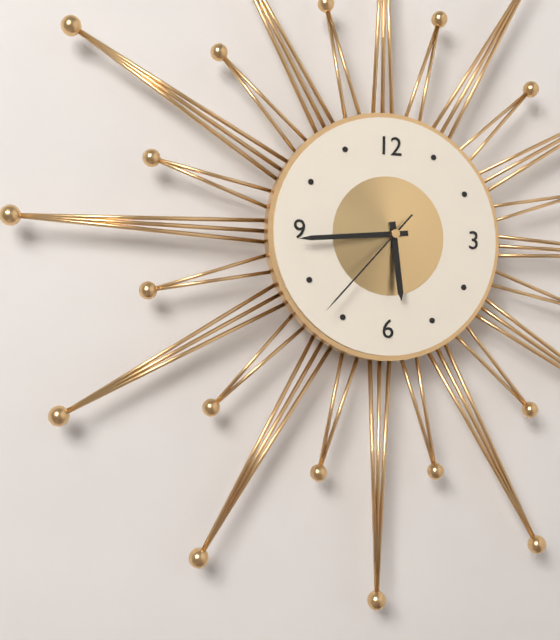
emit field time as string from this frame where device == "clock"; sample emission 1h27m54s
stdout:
5h44m37s
